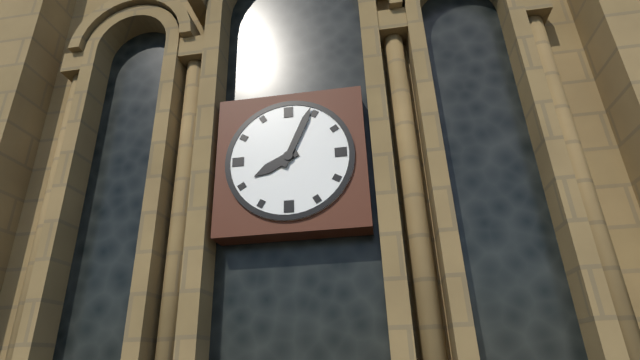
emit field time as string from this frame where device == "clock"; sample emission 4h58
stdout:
8h04
